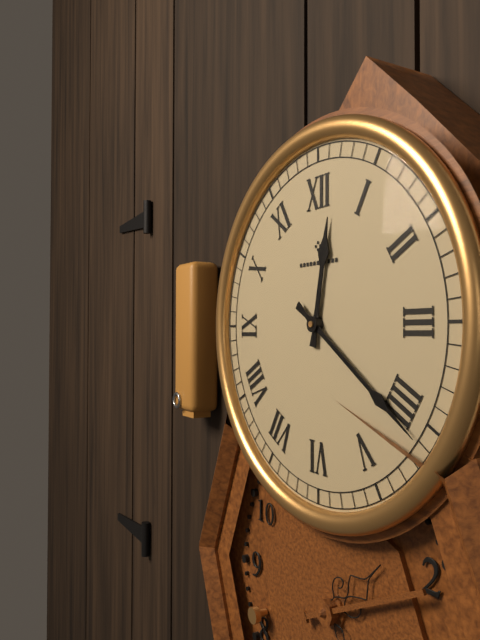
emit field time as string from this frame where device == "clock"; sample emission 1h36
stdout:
12h21
